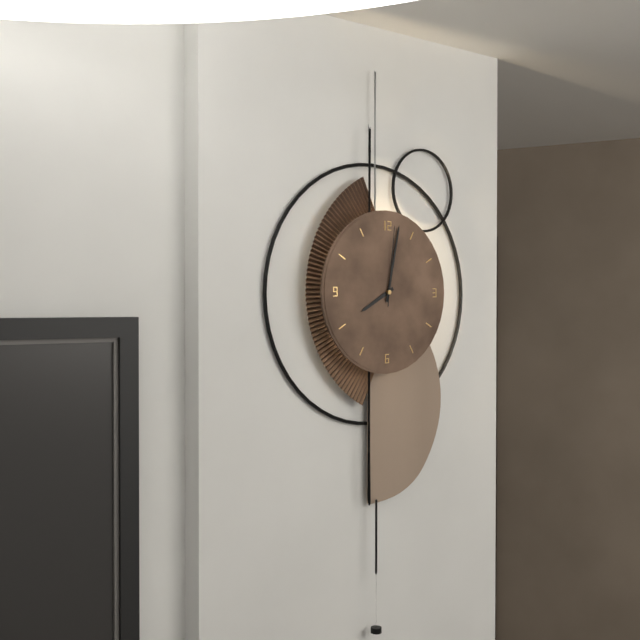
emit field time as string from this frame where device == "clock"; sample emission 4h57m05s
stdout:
8h02m01s
